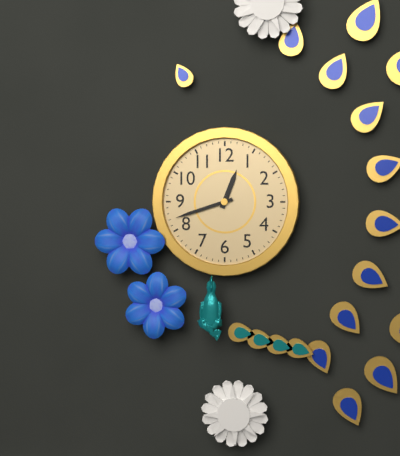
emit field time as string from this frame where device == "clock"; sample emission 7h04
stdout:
12h42
